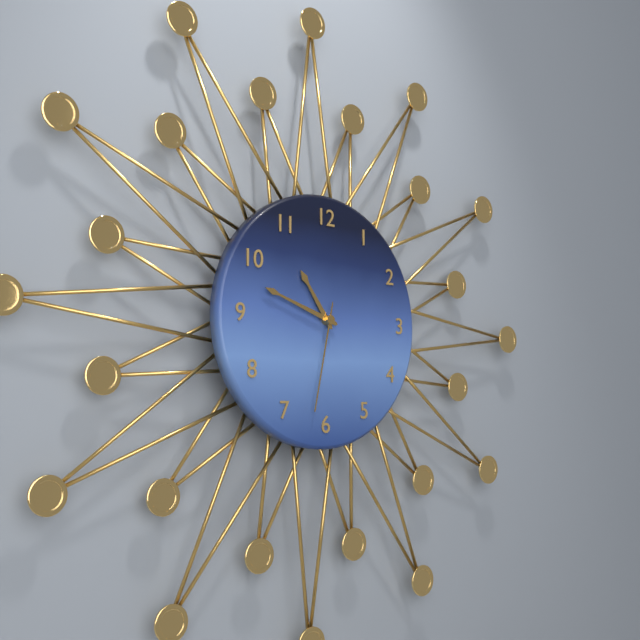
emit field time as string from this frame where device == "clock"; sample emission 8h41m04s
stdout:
10h48m32s
